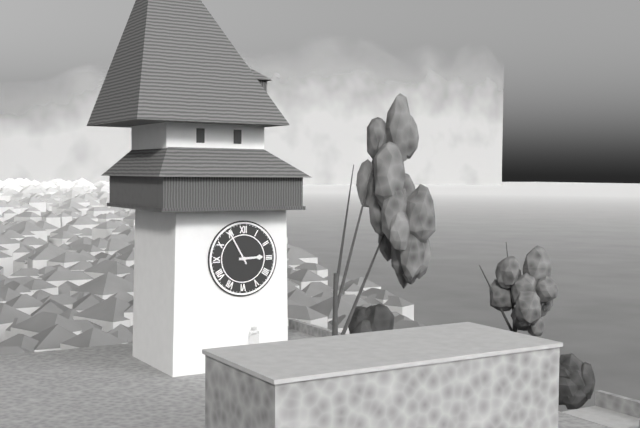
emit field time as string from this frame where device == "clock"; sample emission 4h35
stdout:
2h55
